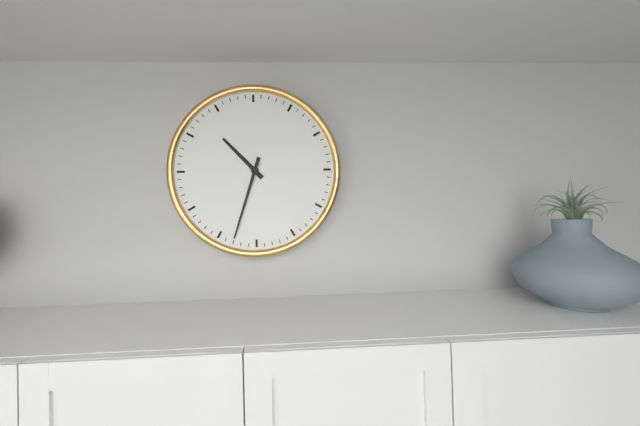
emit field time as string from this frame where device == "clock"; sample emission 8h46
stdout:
10h33
